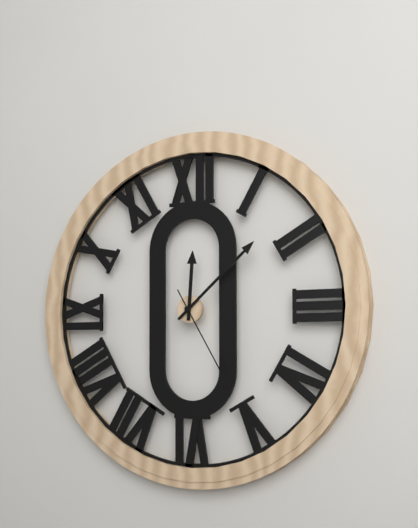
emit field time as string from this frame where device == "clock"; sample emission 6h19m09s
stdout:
12h08m25s
